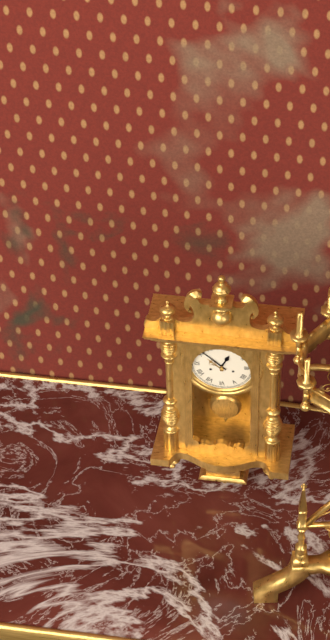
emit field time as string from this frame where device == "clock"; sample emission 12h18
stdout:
12h52
